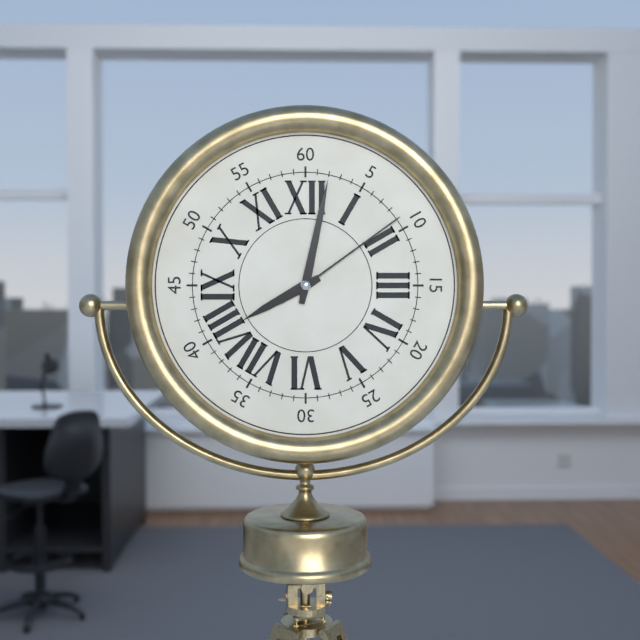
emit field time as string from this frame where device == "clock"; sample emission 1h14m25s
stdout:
8h02m09s
